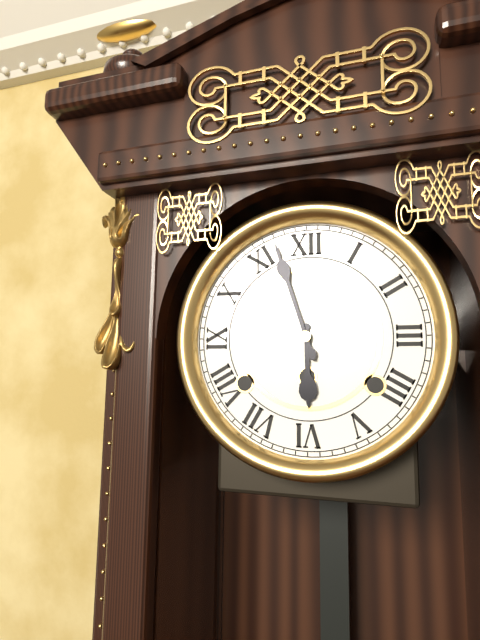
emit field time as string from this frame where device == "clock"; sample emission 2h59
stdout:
5h57
